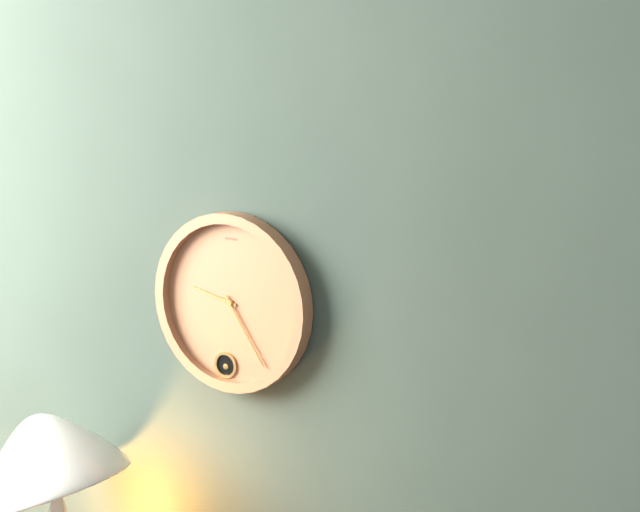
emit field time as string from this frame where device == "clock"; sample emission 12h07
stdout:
9h24
